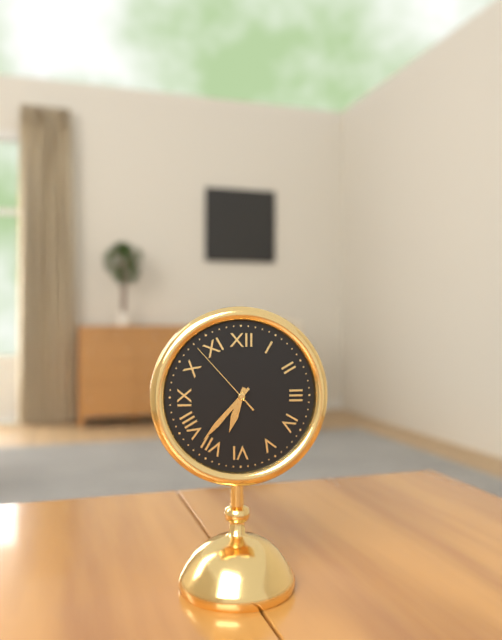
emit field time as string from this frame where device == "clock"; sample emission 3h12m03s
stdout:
6h37m53s
